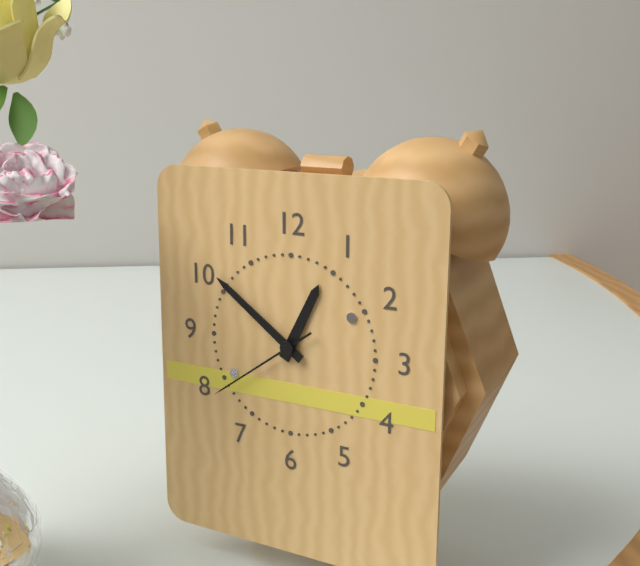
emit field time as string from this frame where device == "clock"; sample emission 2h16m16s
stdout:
12h51m39s
